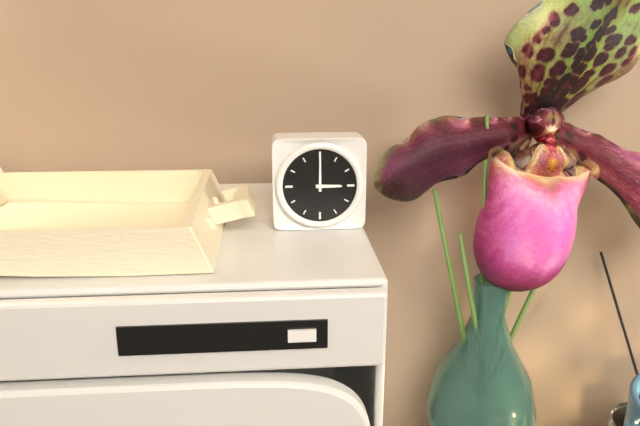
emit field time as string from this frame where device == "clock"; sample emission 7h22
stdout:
3h00
